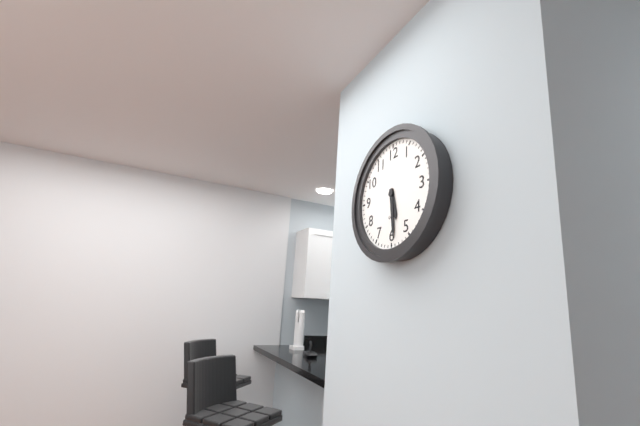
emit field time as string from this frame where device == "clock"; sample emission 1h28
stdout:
5h29
